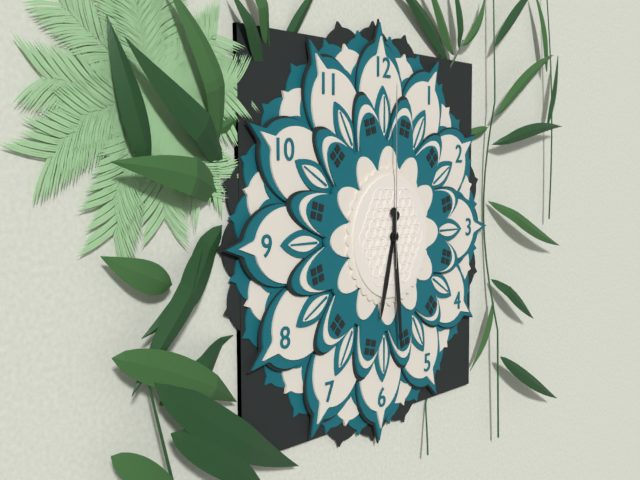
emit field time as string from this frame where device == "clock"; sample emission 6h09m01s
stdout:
6h29m00s
